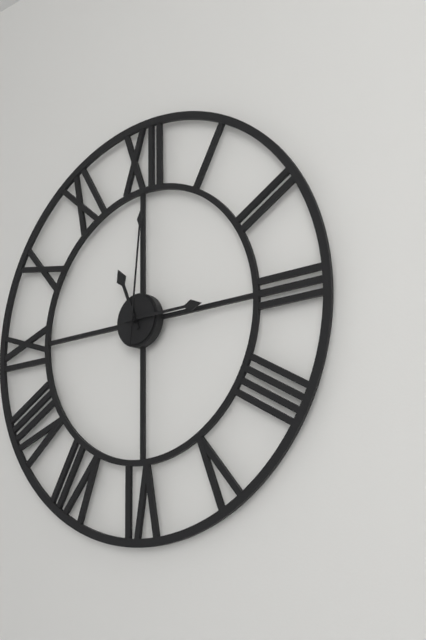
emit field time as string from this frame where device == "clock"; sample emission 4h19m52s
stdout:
11h15m01s
